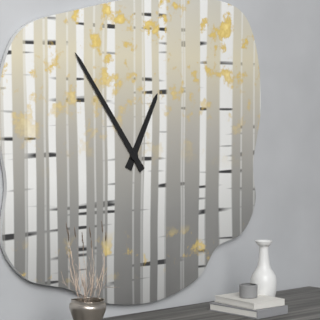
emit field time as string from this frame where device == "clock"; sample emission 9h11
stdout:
12h54
